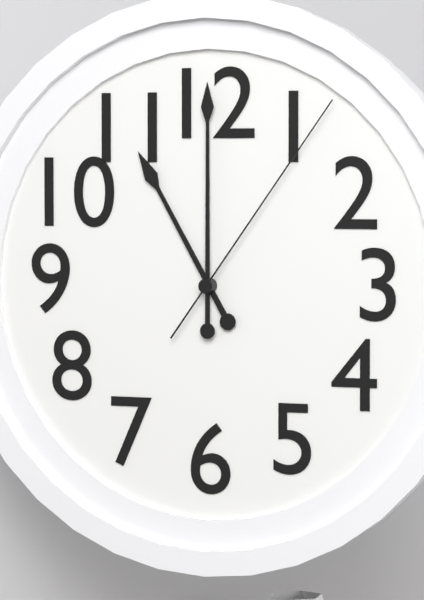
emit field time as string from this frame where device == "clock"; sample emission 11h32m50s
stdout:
11h00m06s
